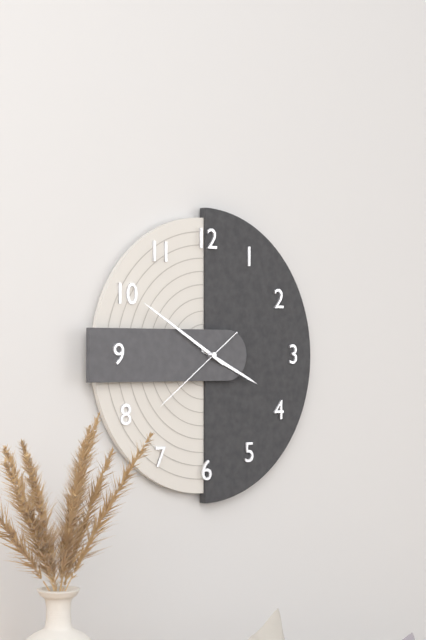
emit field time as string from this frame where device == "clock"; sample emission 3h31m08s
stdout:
3h50m39s
